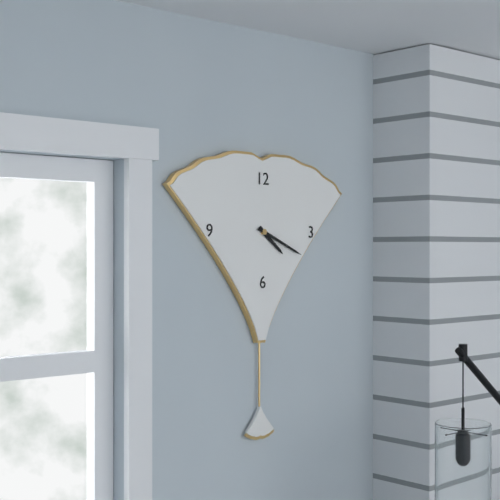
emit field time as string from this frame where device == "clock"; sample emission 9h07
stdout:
4h19
